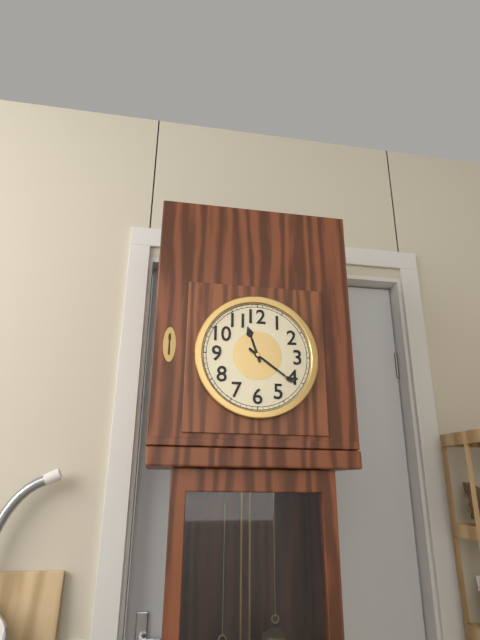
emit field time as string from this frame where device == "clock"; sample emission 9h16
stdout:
11h21
